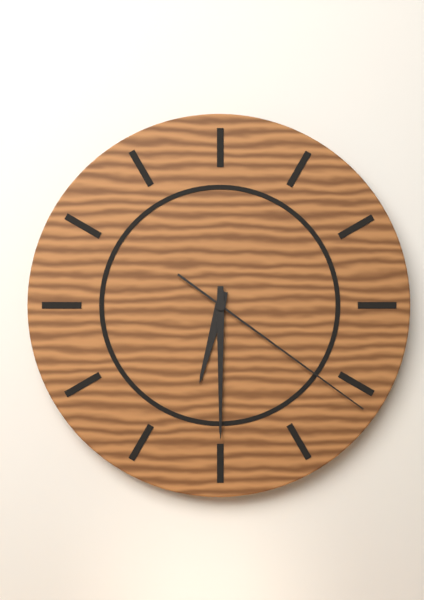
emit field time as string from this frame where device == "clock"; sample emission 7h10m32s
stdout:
6h30m21s
